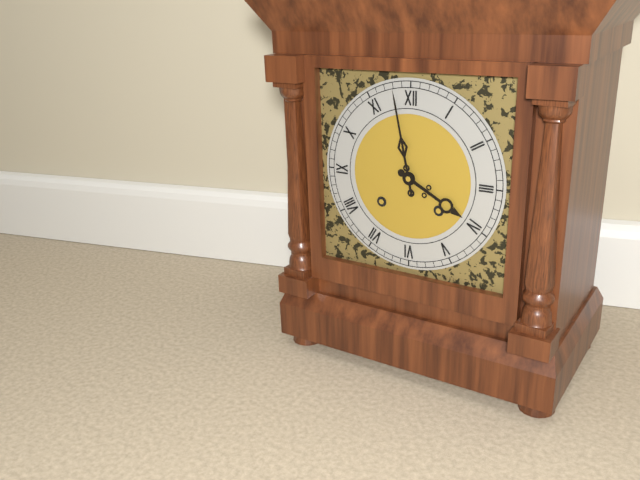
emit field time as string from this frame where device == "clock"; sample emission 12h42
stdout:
3h58
